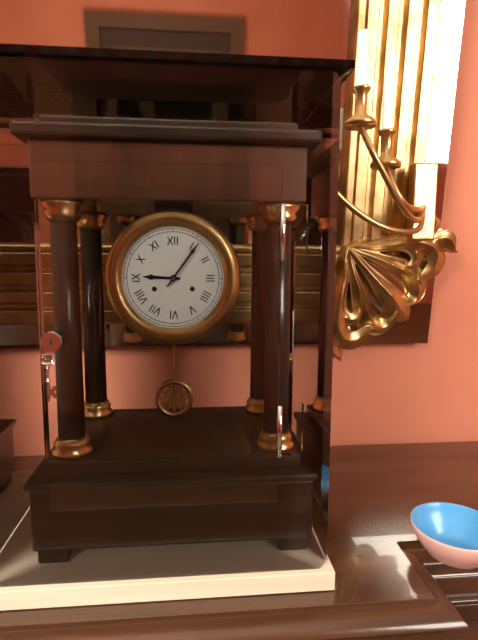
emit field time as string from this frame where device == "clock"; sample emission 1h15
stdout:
9h06
